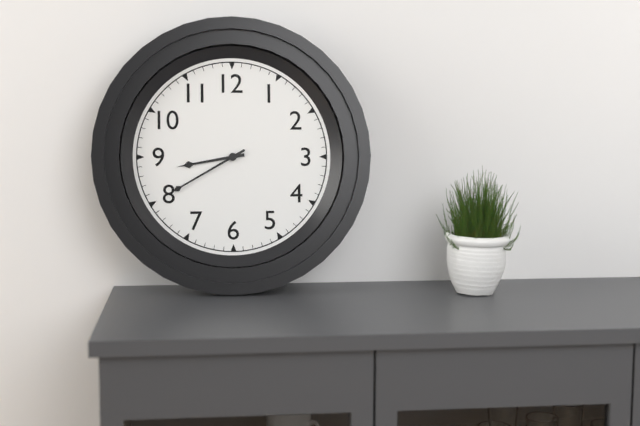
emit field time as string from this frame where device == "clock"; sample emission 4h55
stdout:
8h40
